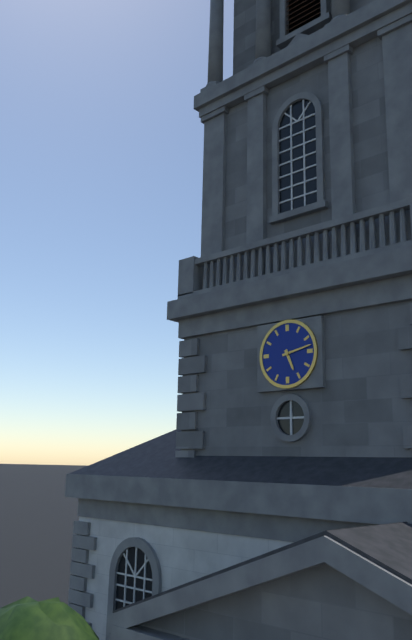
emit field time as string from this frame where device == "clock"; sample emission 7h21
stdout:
5h13
